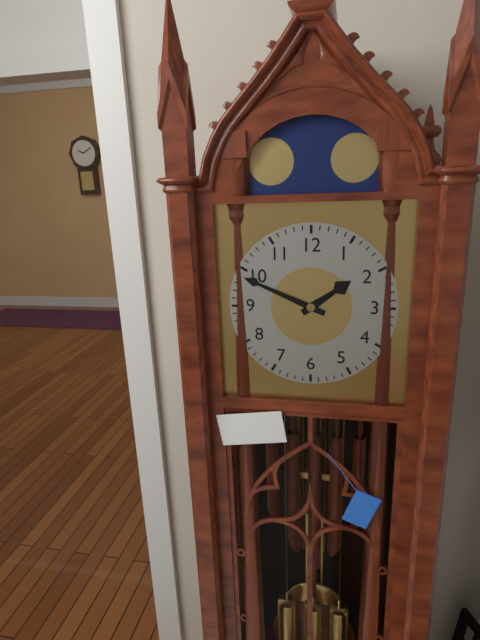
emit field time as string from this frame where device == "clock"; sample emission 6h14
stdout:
1h49
